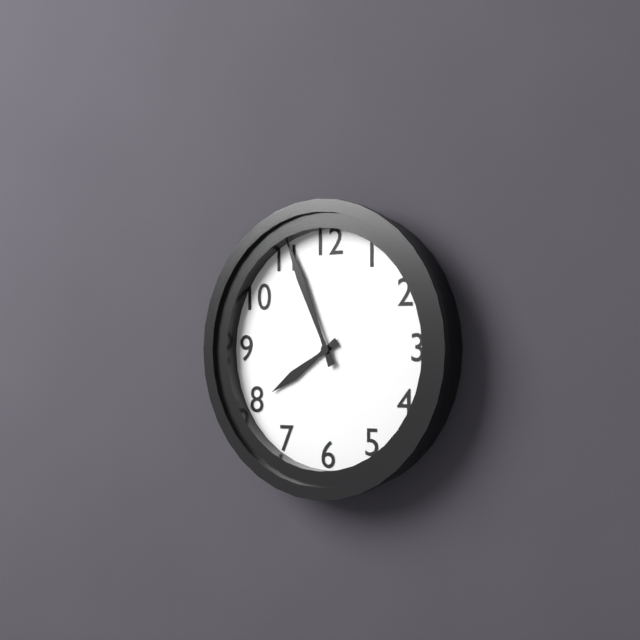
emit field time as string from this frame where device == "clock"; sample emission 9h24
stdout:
7h56
